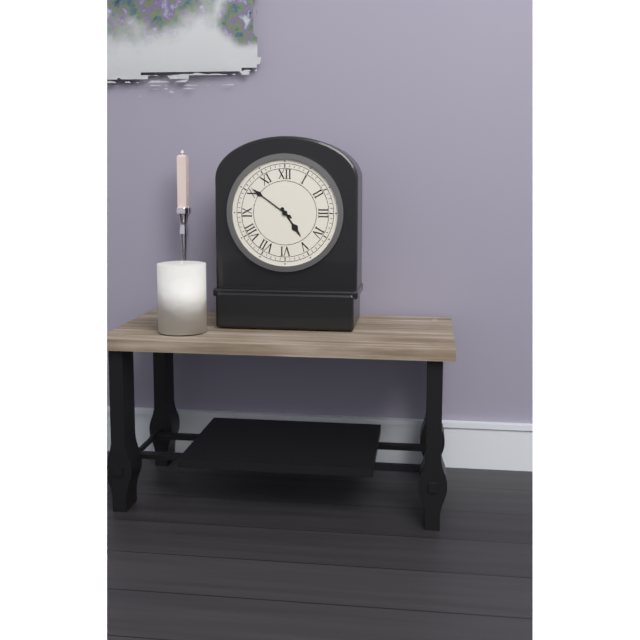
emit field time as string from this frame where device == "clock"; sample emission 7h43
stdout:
4h51
